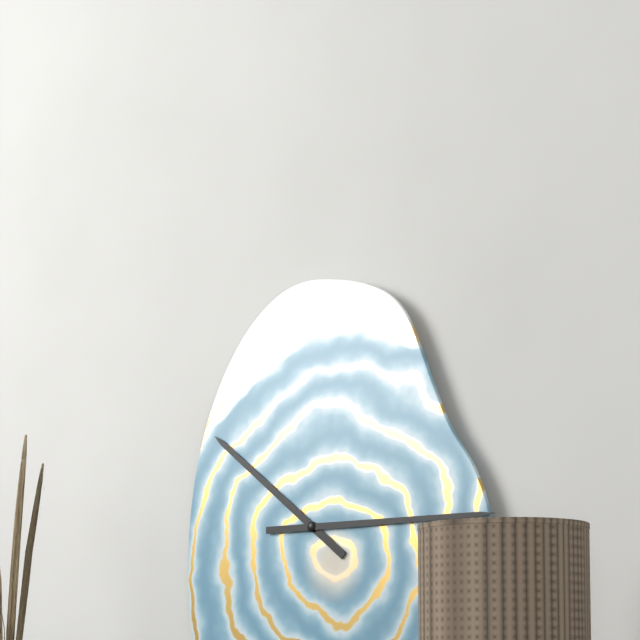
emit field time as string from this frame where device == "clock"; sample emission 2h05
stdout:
10h15
